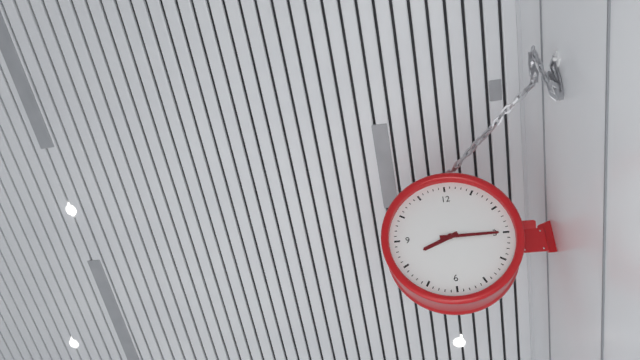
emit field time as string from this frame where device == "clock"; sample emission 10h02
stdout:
8h15
